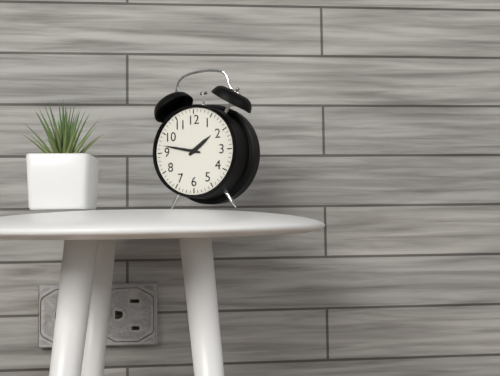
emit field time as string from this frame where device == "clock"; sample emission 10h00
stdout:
1h47
